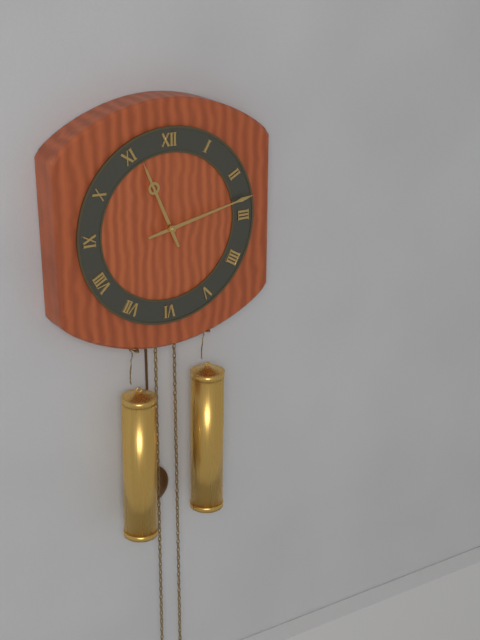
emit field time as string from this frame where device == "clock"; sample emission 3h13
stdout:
11h13
